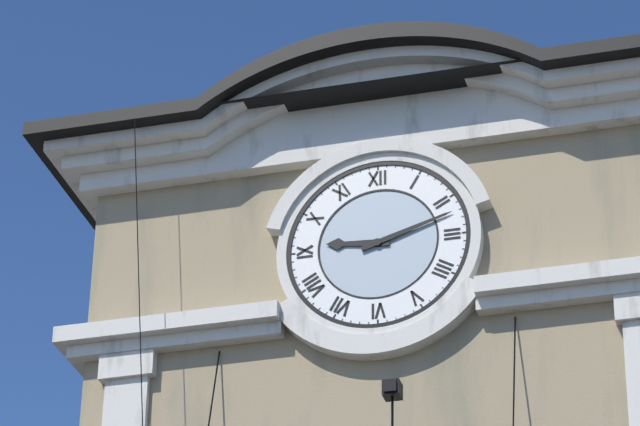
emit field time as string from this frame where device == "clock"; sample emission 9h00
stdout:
9h12
